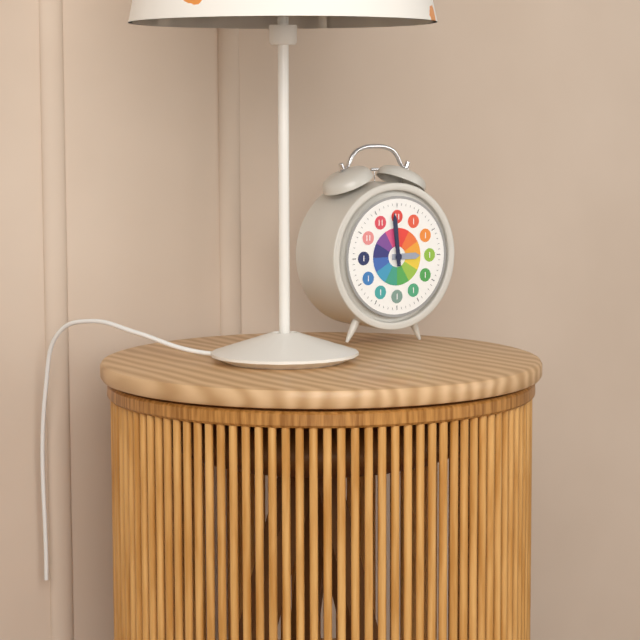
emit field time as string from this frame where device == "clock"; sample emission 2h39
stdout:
2h59
